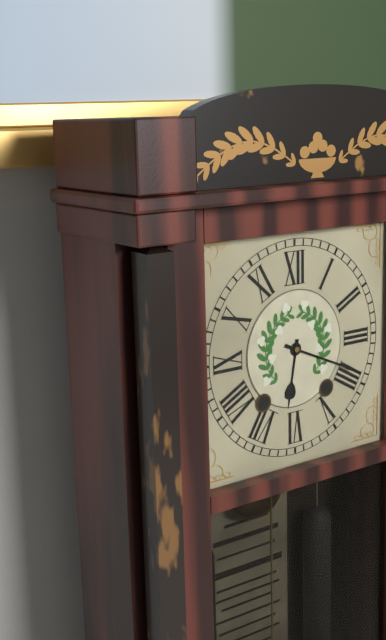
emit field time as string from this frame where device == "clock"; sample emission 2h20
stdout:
6h19
